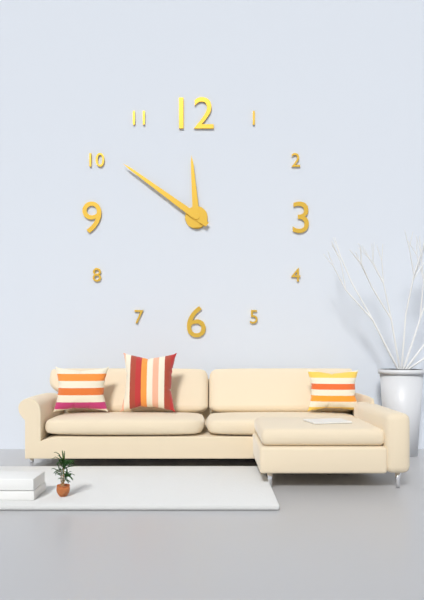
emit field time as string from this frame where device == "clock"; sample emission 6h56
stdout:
11h51
